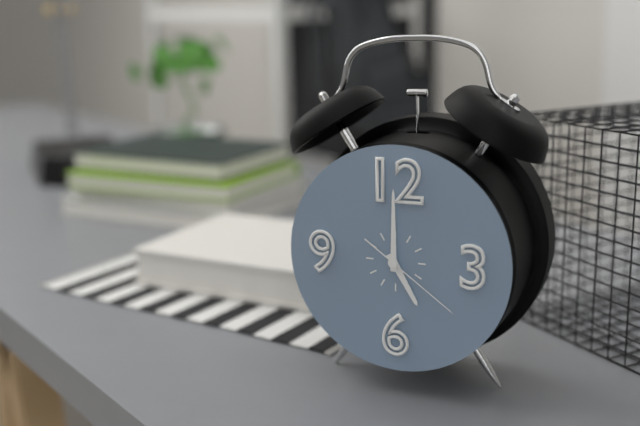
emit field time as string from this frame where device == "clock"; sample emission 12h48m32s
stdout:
5h00m21s
